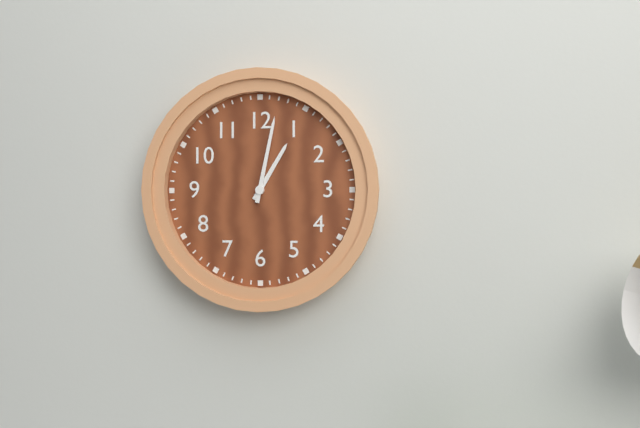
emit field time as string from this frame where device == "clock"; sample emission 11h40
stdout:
1h02
